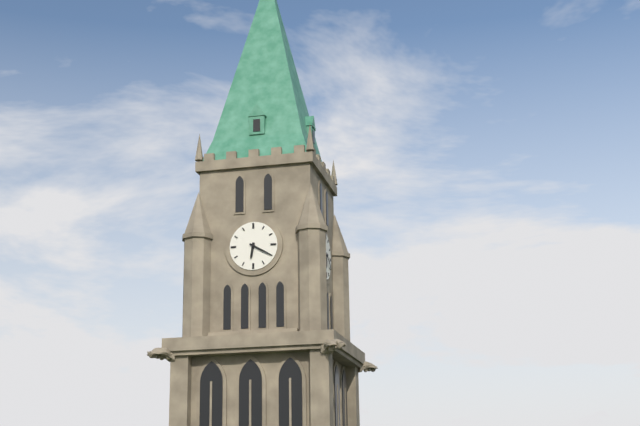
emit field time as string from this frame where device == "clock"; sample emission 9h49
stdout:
6h20
